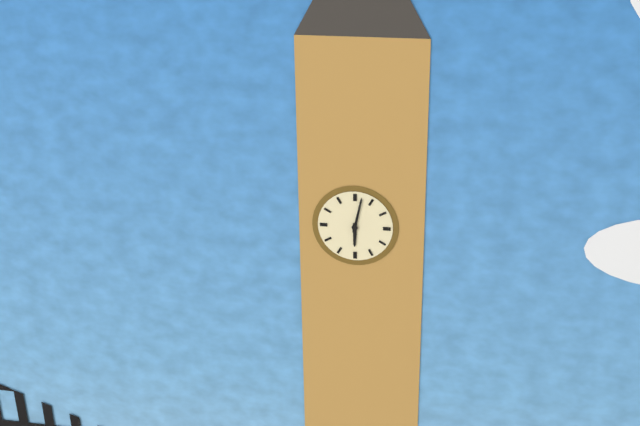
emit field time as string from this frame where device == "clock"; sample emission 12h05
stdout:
6h02
